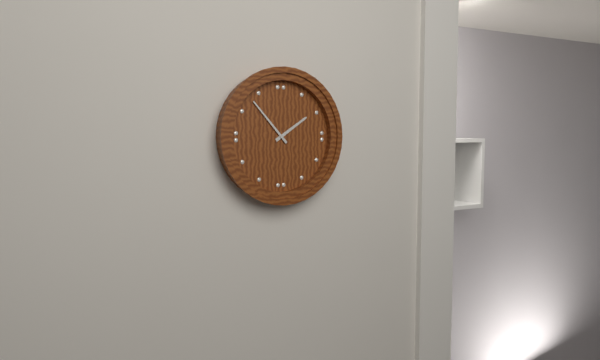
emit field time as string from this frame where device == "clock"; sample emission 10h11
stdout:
1h53
